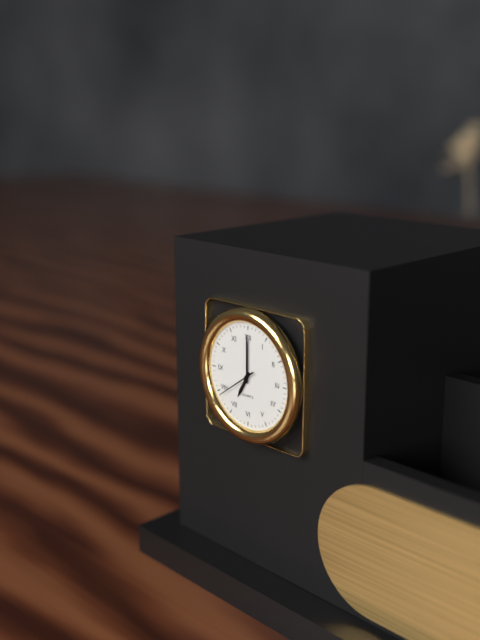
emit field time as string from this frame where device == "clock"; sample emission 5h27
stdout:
7h00
